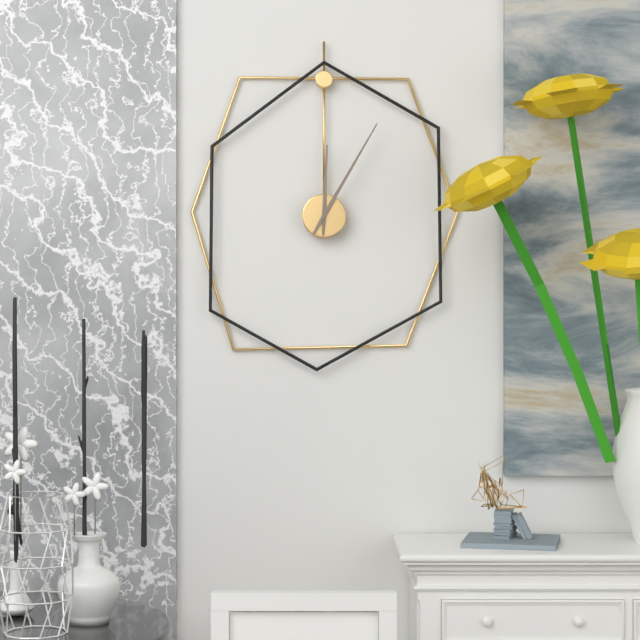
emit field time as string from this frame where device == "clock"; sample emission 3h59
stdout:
12h05
